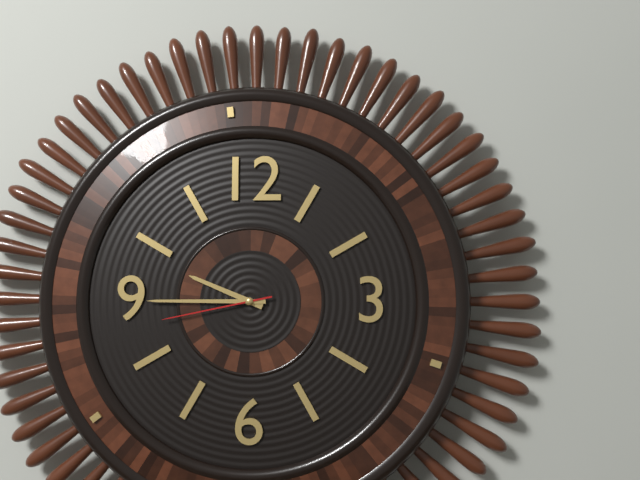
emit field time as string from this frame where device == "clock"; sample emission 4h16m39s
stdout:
9h45m43s
